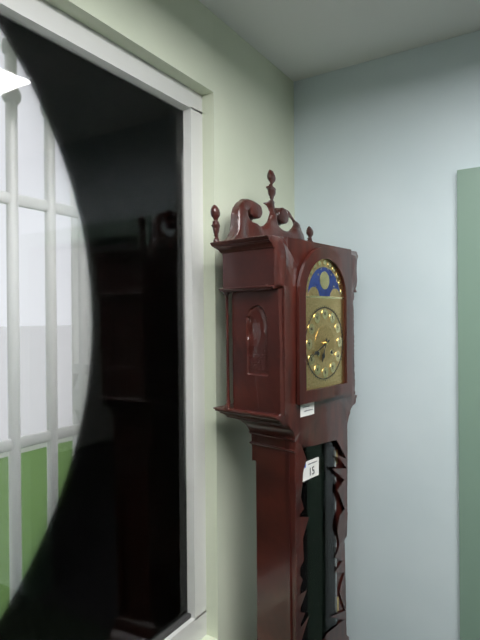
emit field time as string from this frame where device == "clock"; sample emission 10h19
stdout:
6h41
